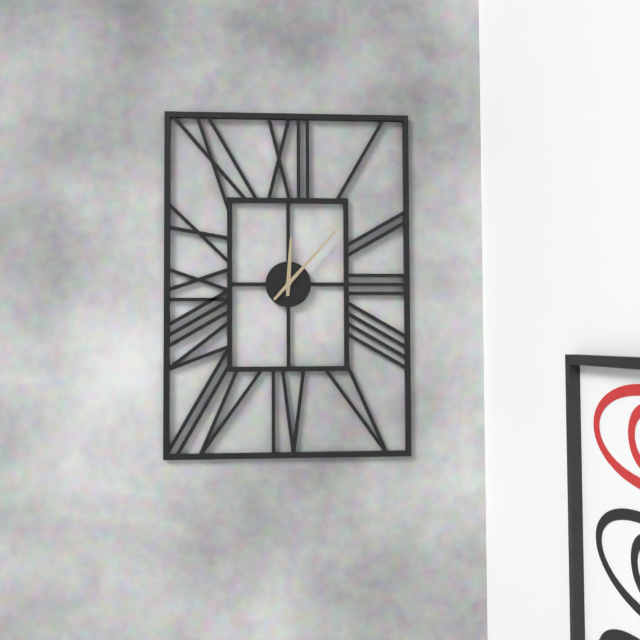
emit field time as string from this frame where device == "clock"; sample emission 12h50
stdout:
12h07
